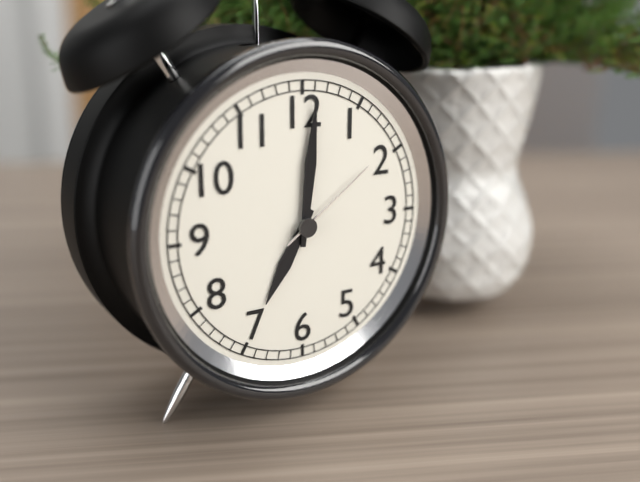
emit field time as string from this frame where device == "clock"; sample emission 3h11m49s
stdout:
7h01m09s
